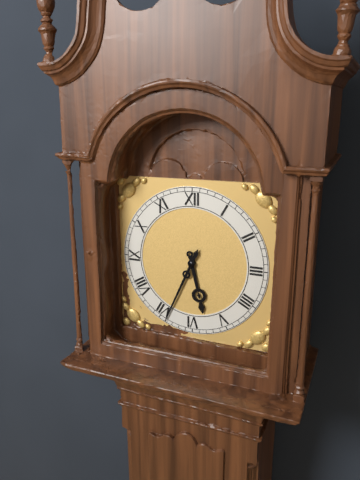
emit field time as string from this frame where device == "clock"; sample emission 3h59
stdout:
5h34
